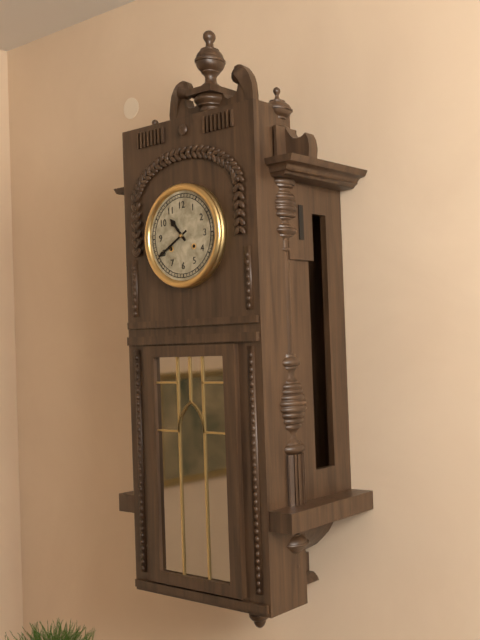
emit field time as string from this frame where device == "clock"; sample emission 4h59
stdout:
10h40
